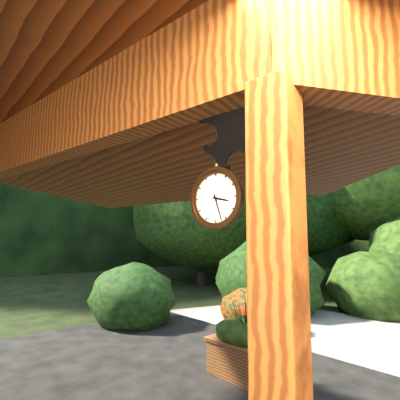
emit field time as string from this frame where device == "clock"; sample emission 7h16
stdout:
3h27
